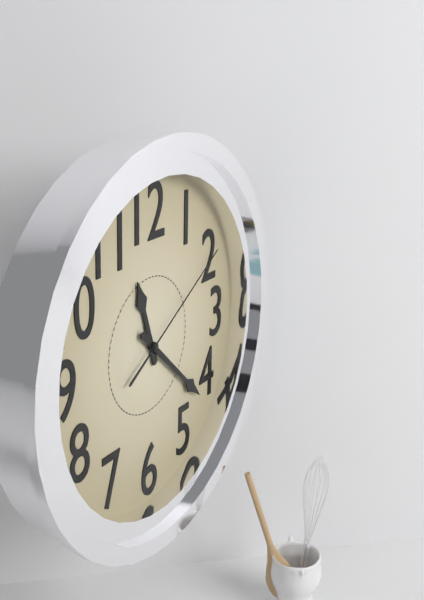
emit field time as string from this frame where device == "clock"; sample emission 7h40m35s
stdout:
11h22m10s
